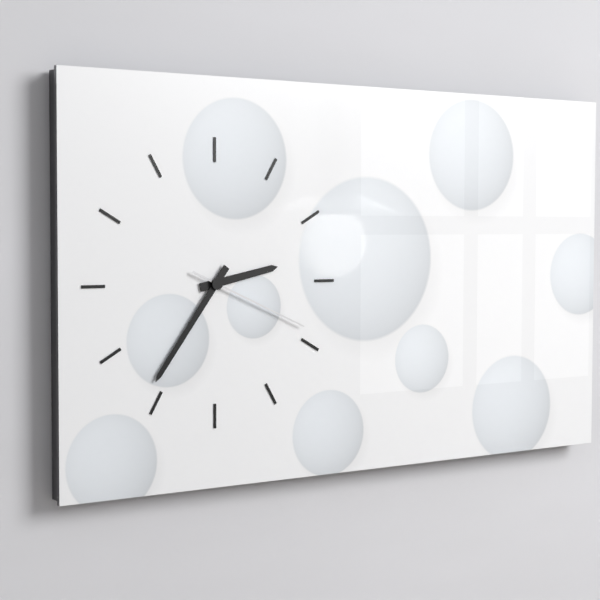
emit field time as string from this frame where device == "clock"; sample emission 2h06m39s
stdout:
2h36m19s
